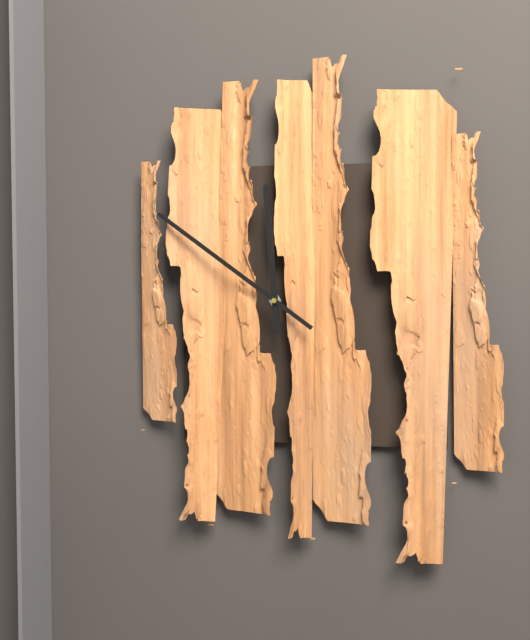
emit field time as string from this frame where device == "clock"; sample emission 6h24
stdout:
11h51
